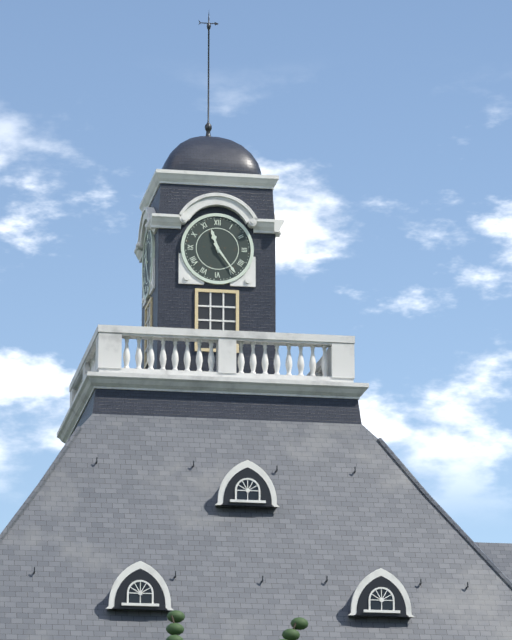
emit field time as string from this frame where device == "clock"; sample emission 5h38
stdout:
11h24
